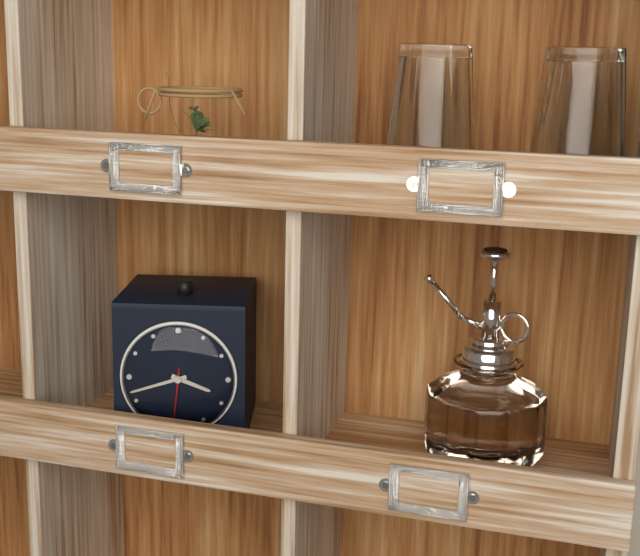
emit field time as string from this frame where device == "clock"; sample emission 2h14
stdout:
3h42
